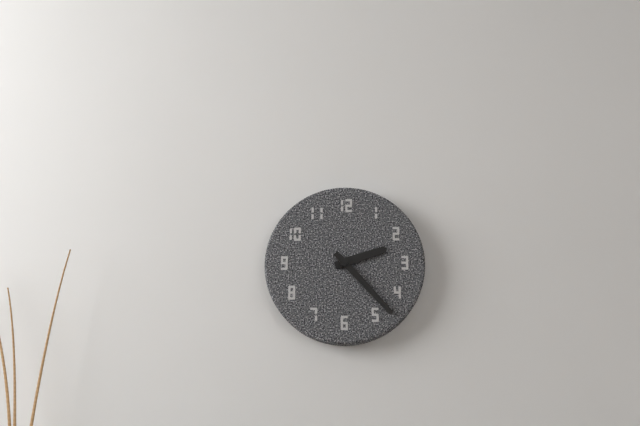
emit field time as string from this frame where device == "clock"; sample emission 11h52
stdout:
2h23
